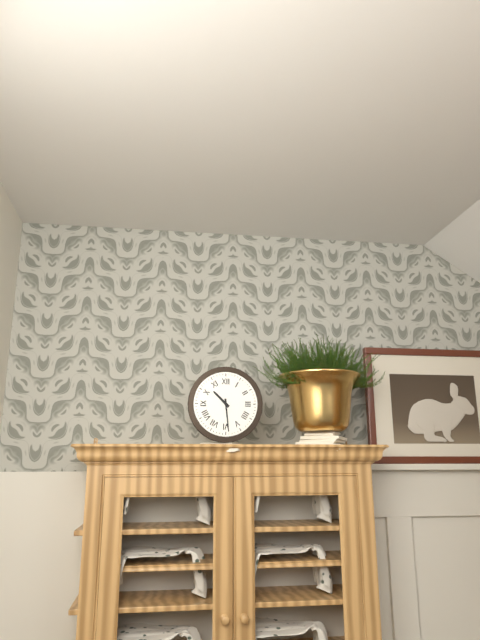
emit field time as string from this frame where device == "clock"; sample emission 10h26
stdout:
10h29
